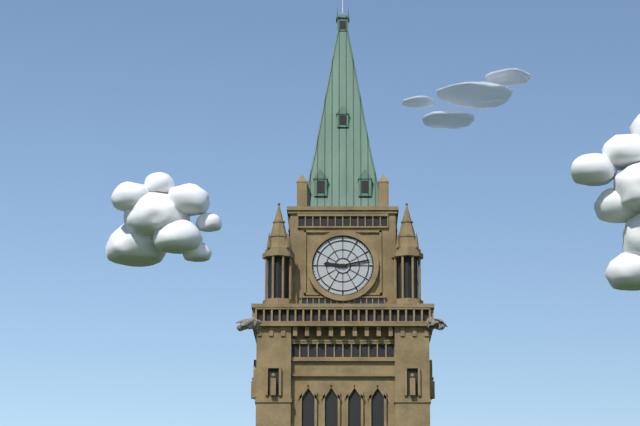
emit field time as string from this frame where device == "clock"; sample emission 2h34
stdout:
9h13
